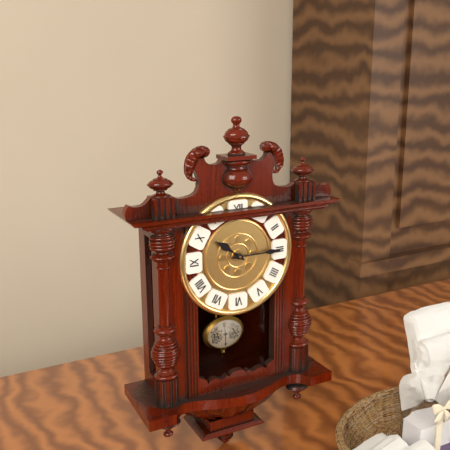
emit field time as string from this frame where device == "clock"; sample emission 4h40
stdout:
10h15
